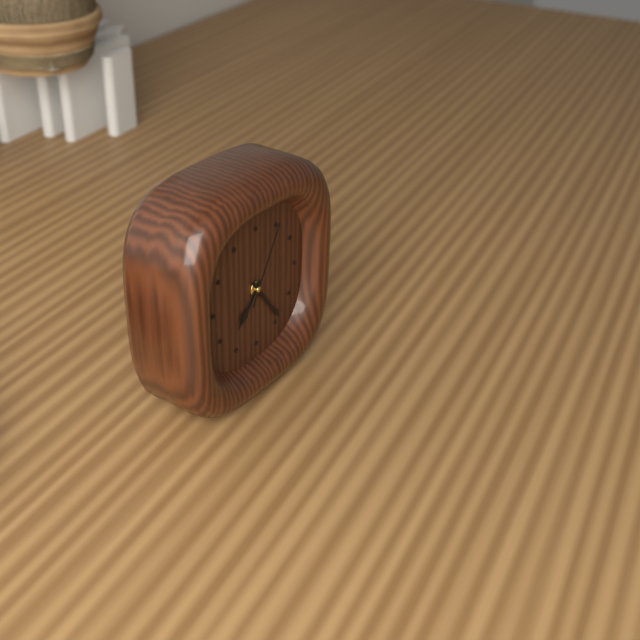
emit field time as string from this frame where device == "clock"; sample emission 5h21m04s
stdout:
7h24m05s
